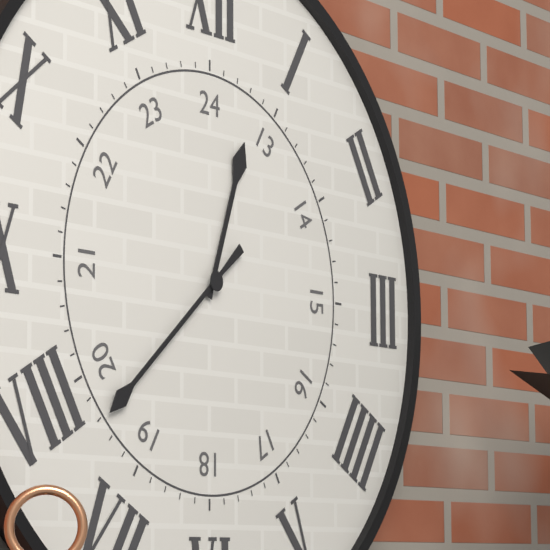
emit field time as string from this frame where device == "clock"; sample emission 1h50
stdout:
12h38
